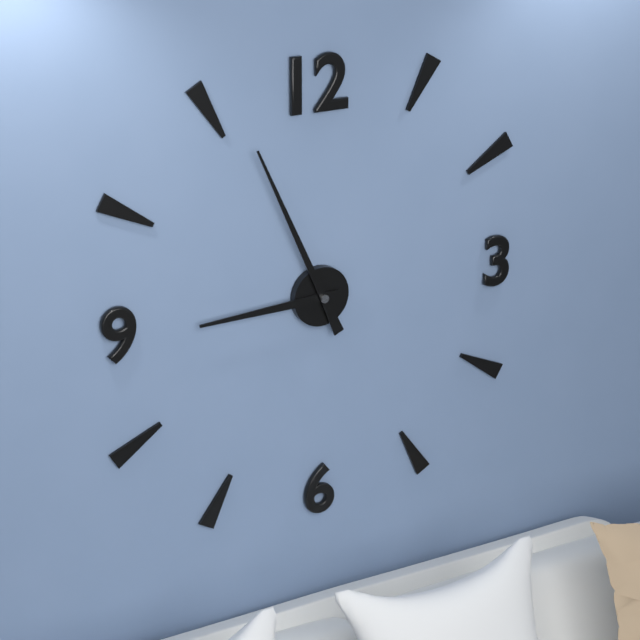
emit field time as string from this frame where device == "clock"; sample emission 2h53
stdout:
8h56
